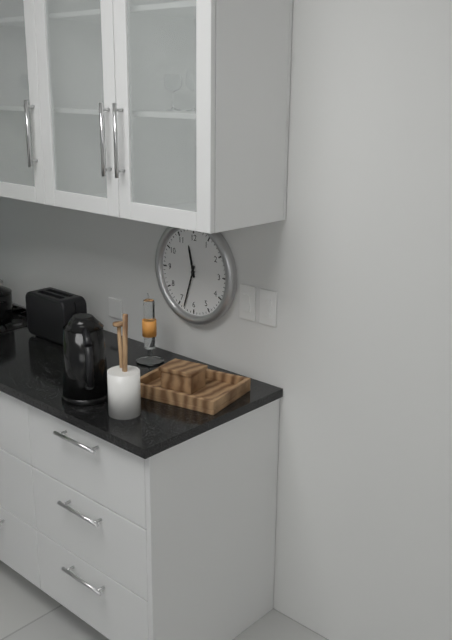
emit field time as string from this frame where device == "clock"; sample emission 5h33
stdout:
11h33
